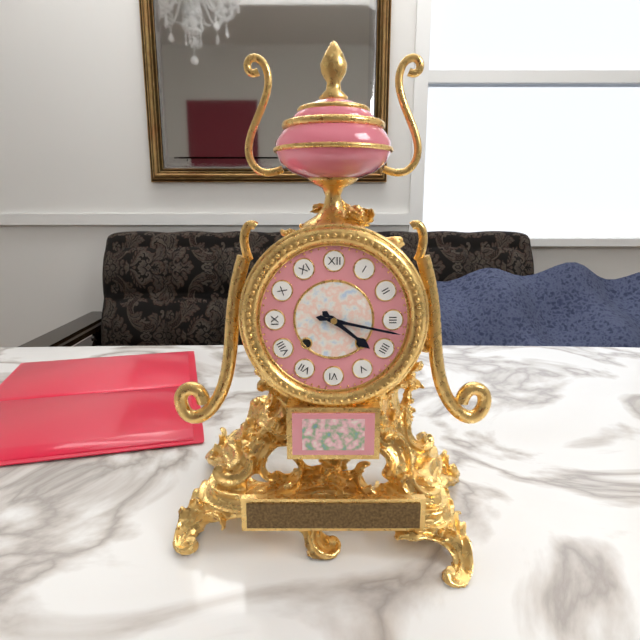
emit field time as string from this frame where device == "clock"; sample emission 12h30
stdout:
4h17
